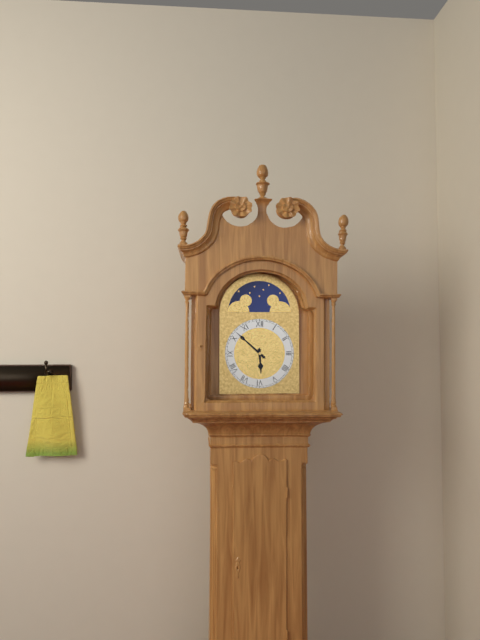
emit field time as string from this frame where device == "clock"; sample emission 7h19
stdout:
5h52
